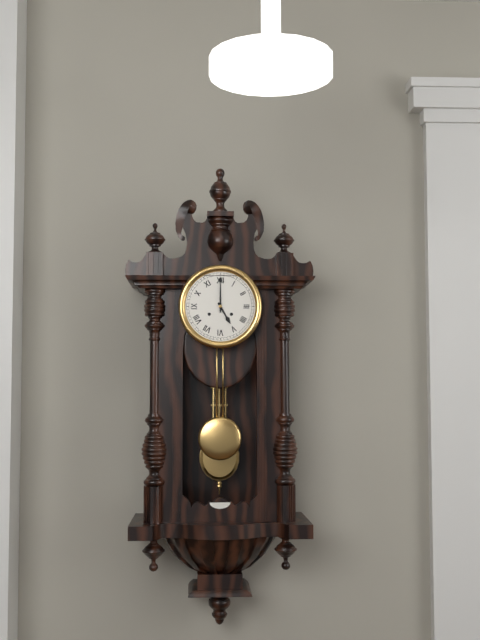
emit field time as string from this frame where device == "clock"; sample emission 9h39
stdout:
5h00
